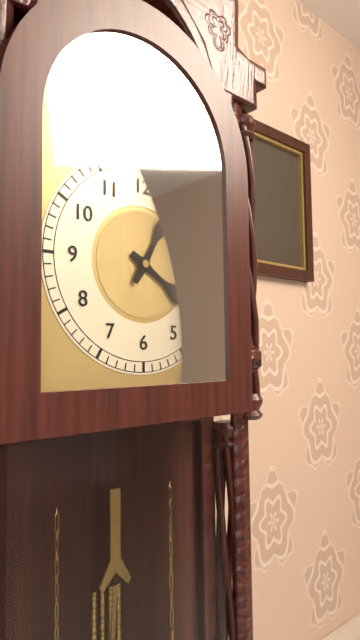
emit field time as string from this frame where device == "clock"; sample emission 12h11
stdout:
4h05
